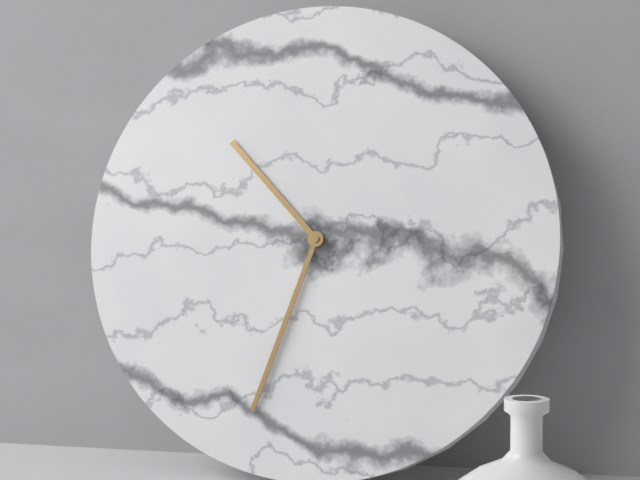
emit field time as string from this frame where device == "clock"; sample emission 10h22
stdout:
10h33
